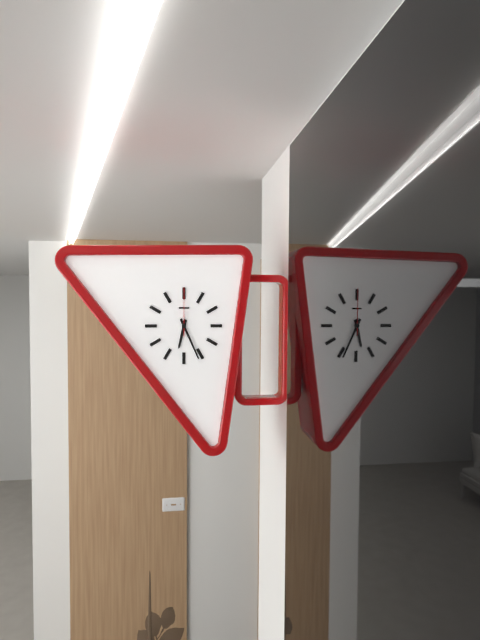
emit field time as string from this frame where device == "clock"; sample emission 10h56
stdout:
6h26
